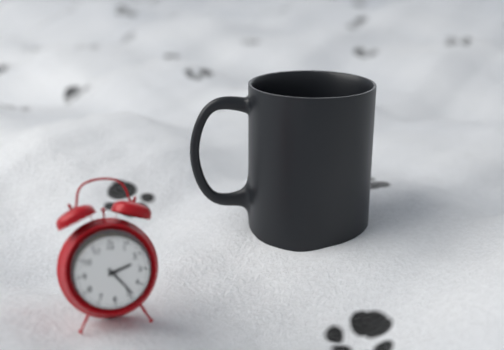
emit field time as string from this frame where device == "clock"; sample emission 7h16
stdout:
2h24
